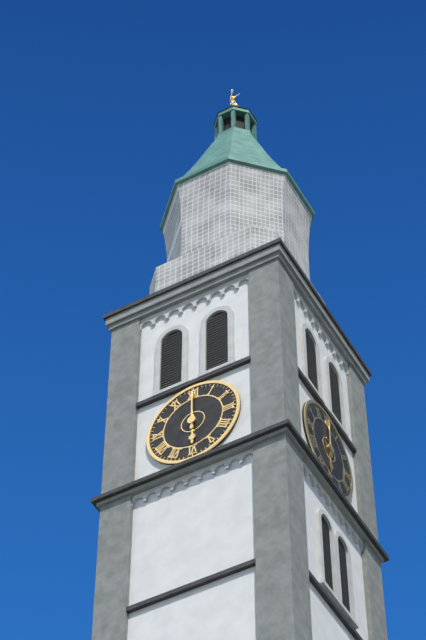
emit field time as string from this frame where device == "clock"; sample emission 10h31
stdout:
6h00
